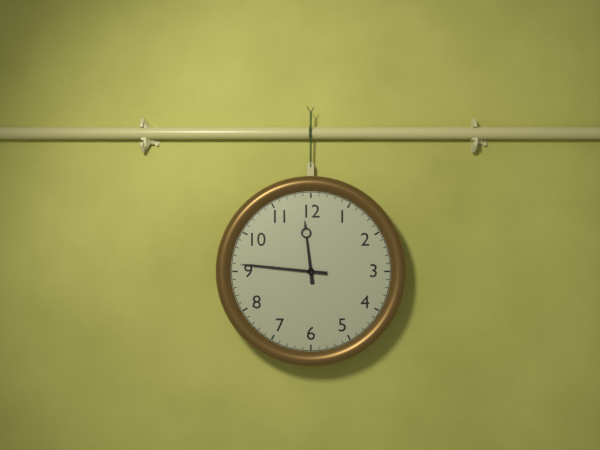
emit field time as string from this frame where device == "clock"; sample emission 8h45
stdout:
11h46
